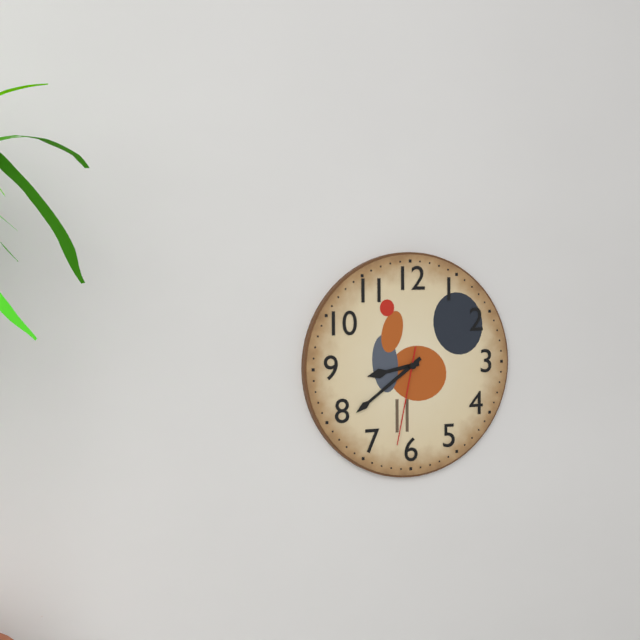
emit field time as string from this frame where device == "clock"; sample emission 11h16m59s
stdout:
8h39m32s
